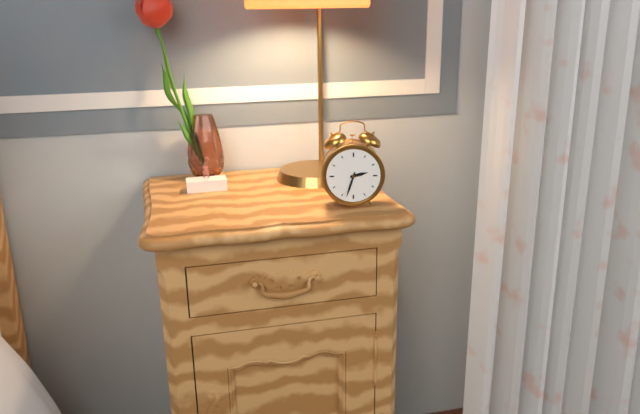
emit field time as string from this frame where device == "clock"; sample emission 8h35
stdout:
2h33
